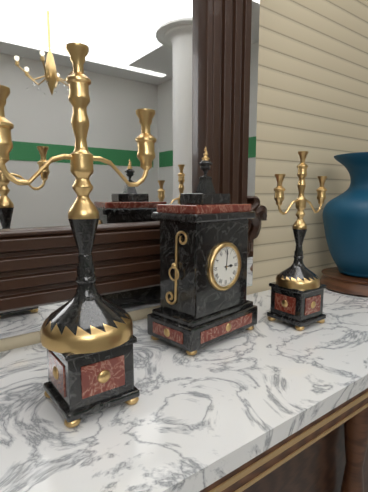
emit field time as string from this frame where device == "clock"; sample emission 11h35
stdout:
3h01
